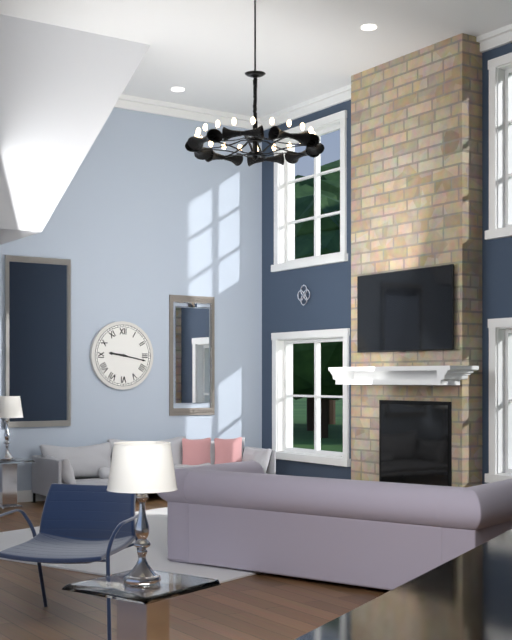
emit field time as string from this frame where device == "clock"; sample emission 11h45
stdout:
9h17
